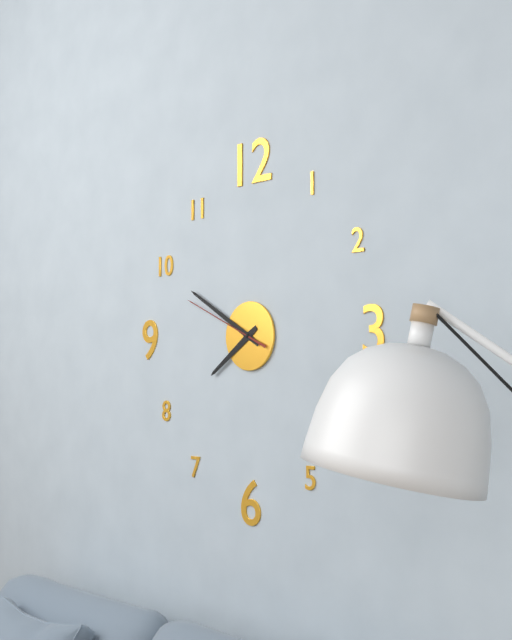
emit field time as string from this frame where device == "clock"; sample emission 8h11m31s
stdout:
7h50m49s
